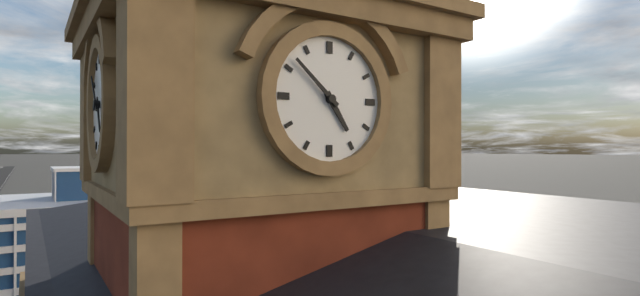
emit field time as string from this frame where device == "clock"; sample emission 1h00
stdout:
4h52
